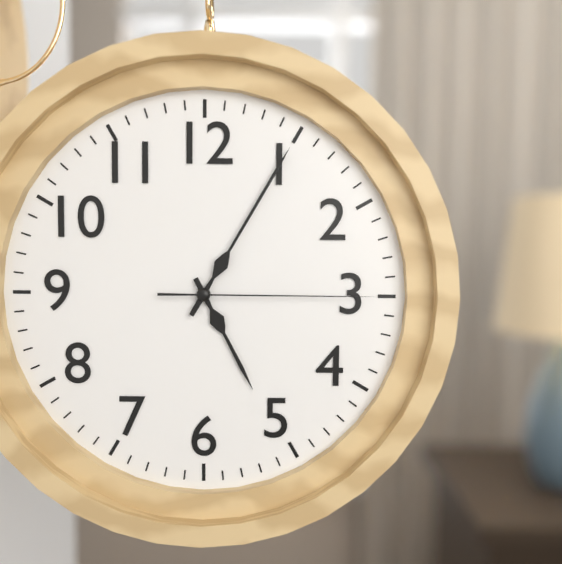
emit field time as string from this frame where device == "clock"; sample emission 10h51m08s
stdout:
5h05m15s
